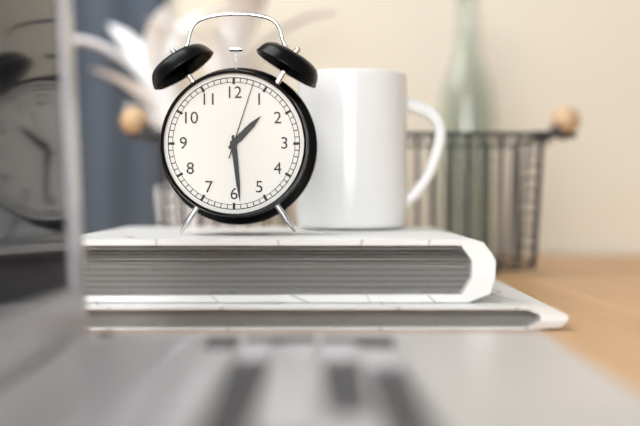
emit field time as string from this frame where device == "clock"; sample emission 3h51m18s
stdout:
1h29m03s
